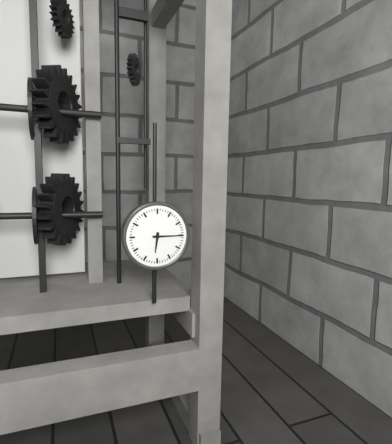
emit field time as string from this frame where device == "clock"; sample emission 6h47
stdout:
6h15
